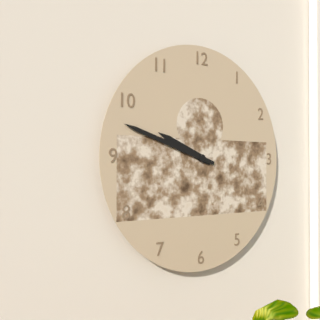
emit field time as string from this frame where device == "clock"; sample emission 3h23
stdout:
9h48
